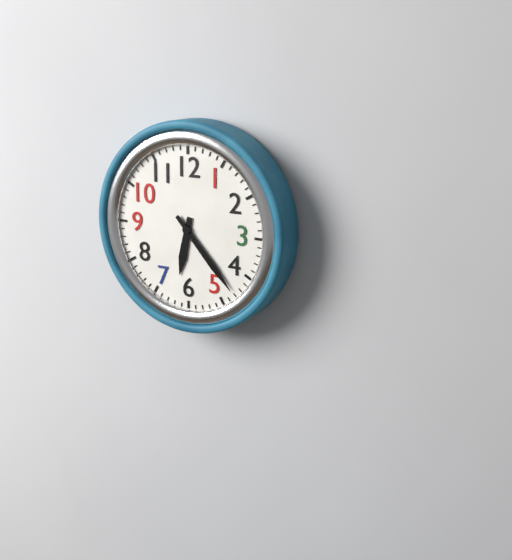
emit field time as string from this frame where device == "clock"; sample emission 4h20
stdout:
6h23
